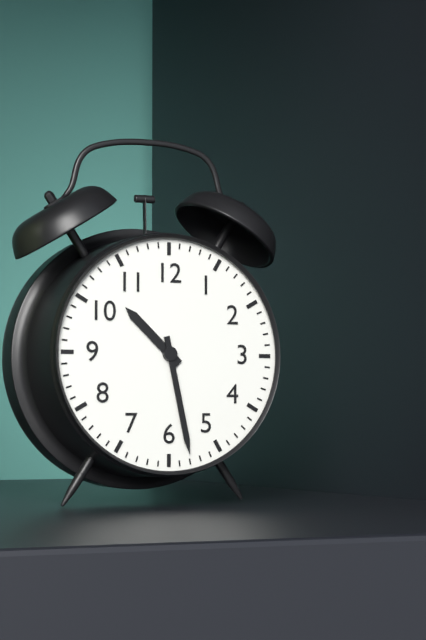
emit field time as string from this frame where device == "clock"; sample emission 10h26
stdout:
10h28
